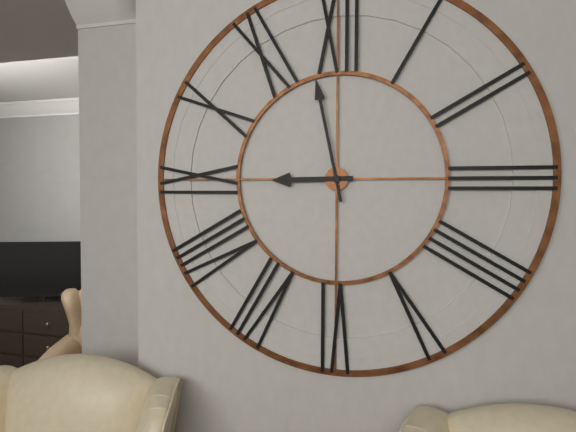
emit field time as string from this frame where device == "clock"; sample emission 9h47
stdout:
8h58
